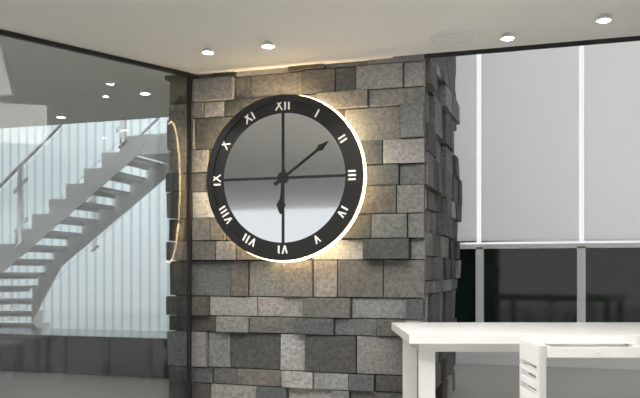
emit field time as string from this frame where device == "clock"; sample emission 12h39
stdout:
6h09
